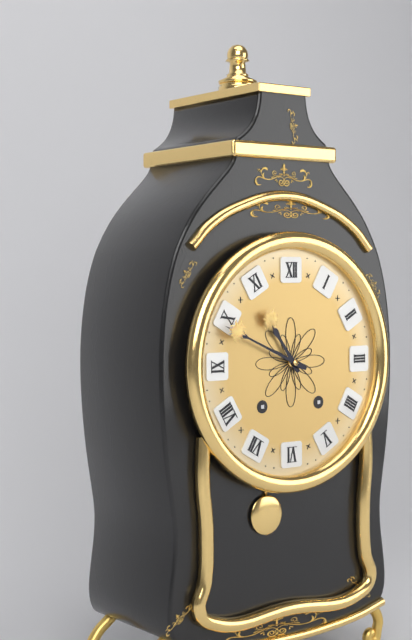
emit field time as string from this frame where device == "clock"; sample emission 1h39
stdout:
10h49
